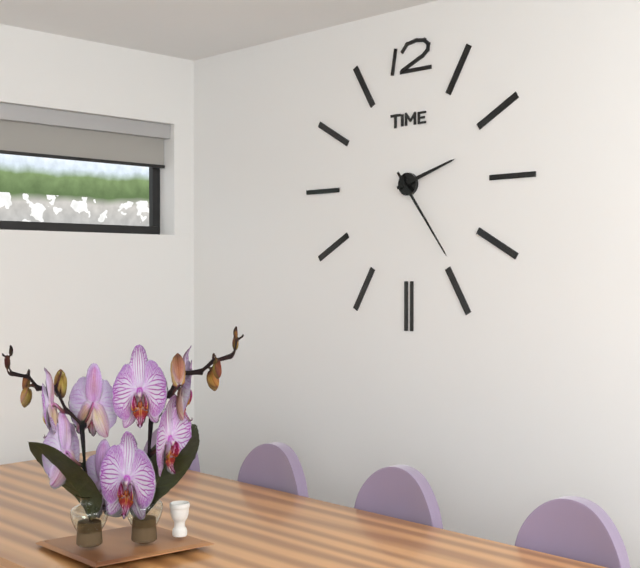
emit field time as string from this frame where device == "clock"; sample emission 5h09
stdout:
2h24
